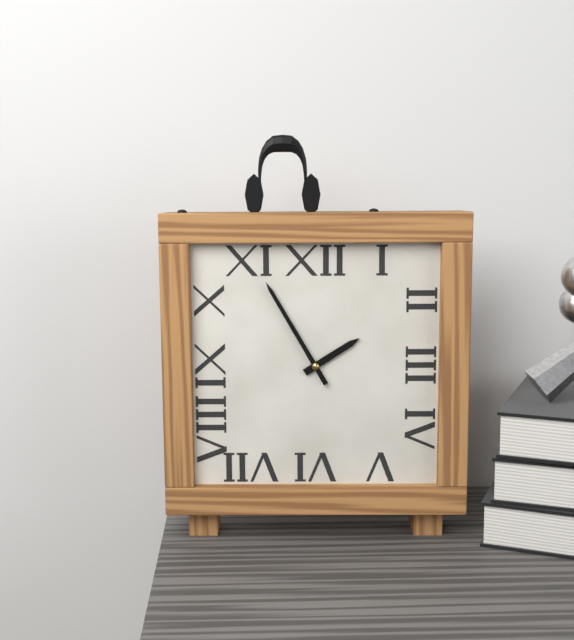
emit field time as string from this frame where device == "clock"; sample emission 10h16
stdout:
1h55
